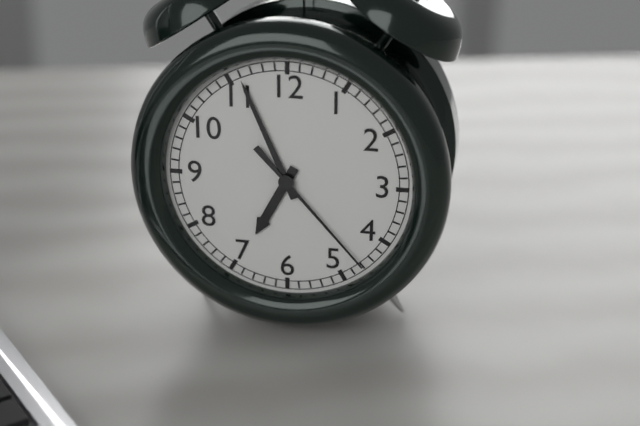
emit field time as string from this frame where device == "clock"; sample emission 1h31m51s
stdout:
6h56m23s
